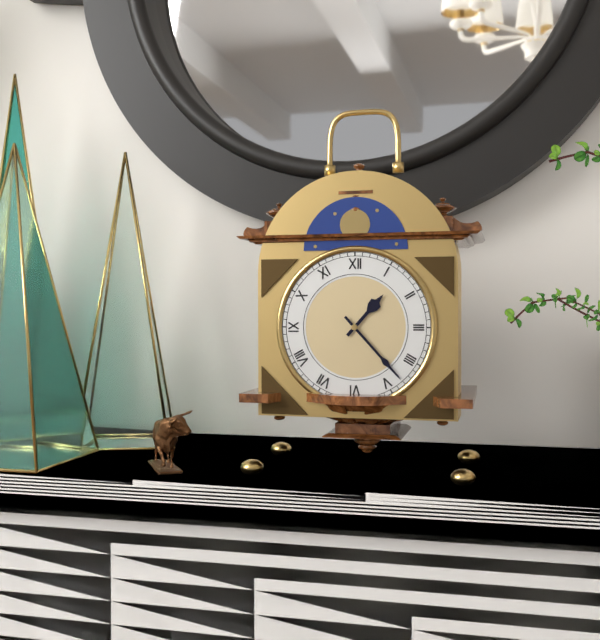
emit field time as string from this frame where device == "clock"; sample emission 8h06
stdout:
1h23
